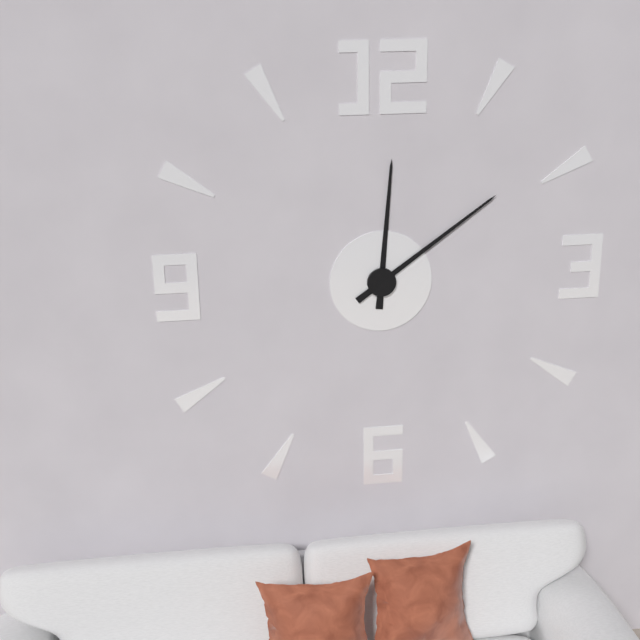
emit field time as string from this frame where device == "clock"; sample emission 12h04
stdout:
12h09
